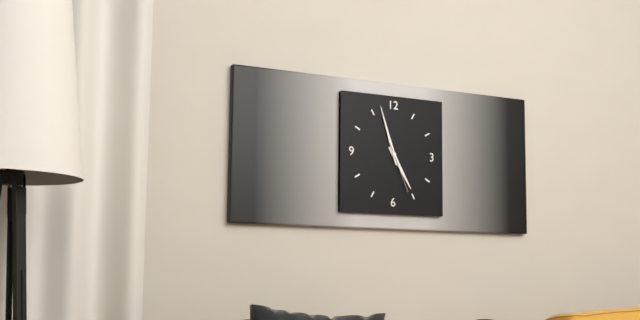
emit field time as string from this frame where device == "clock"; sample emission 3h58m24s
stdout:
4h57m26s
